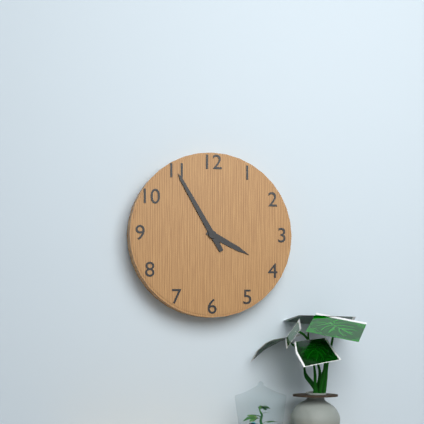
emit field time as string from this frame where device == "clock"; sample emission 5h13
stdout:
3h55
